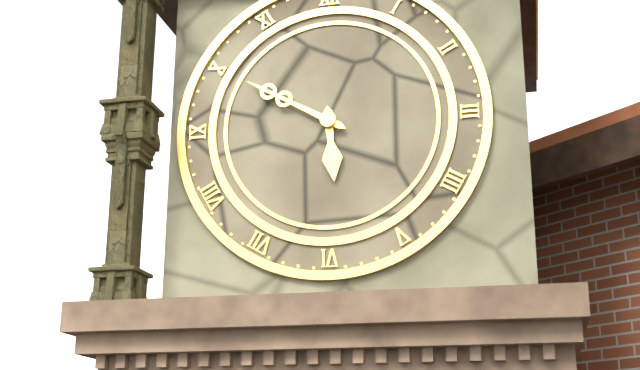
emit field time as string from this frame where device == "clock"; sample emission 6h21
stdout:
5h50
